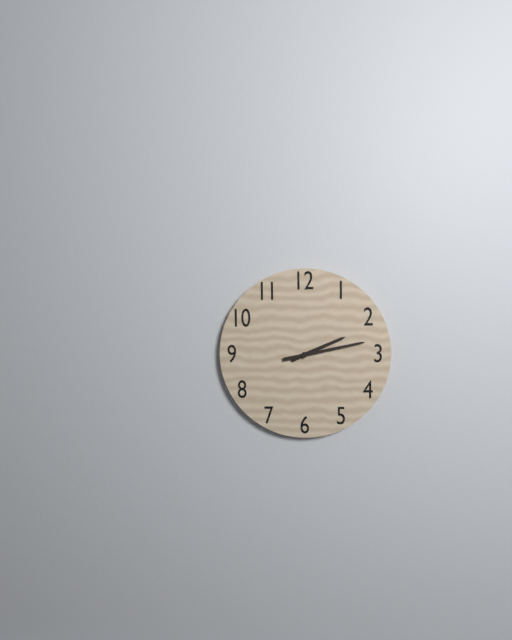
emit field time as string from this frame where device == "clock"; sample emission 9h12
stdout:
2h13
